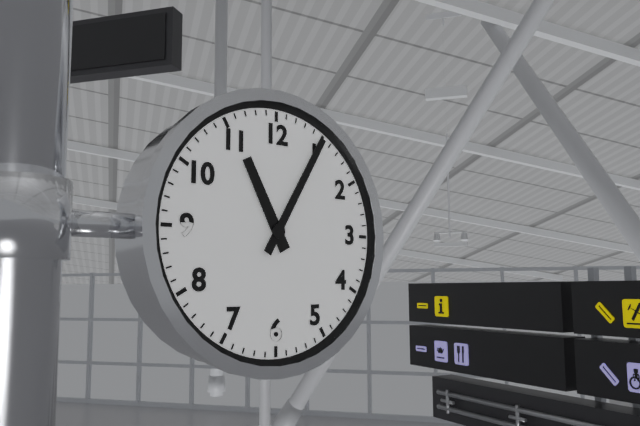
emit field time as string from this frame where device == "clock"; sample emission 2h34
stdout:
11h05
